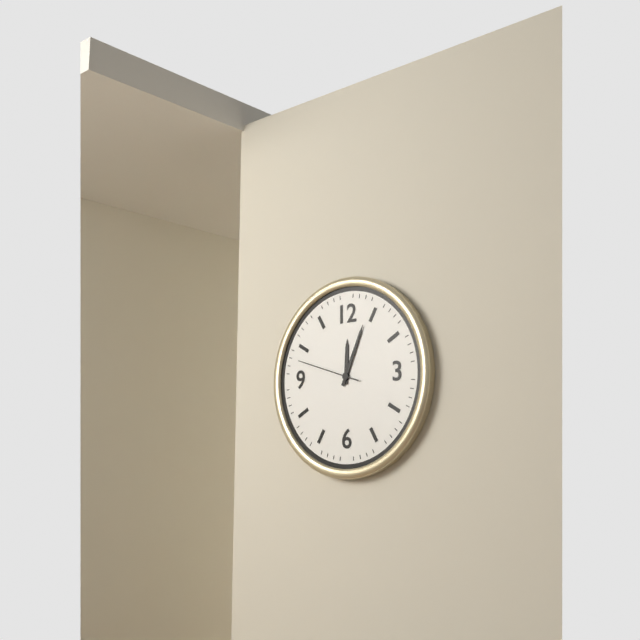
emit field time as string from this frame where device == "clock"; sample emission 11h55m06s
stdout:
12h04m48s
